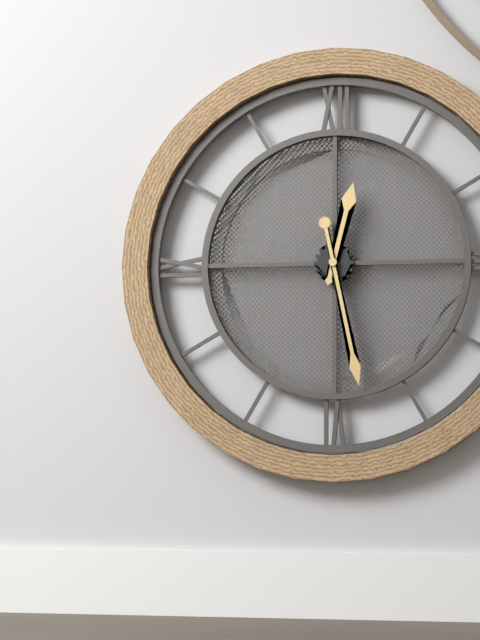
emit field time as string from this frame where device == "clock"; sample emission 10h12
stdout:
12h28
